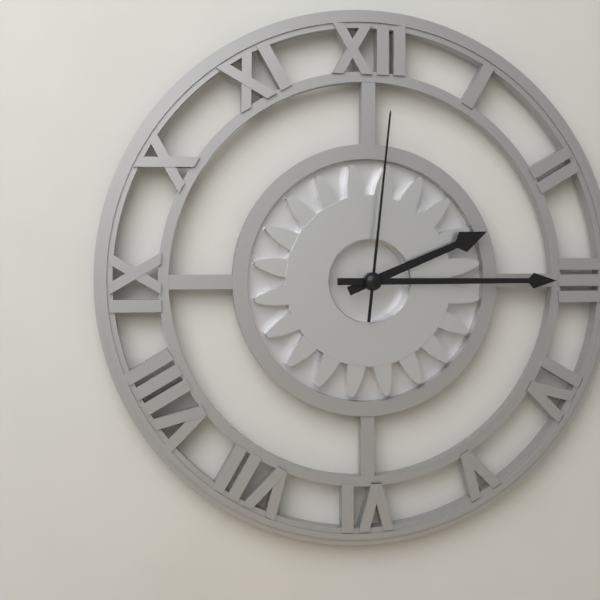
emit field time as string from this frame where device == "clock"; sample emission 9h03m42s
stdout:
2h15m01s
